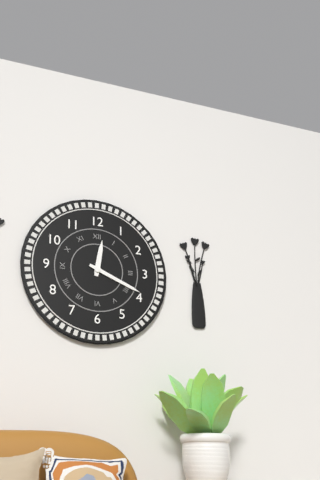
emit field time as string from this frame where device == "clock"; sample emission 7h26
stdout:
12h19
